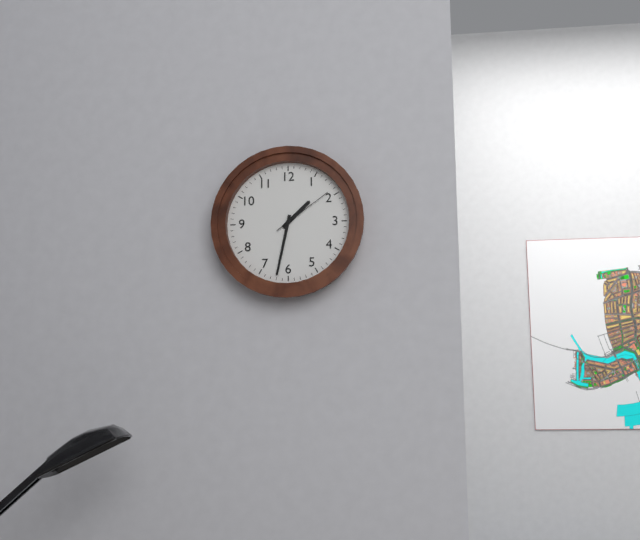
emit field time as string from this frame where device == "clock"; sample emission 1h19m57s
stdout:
1h32m09s
